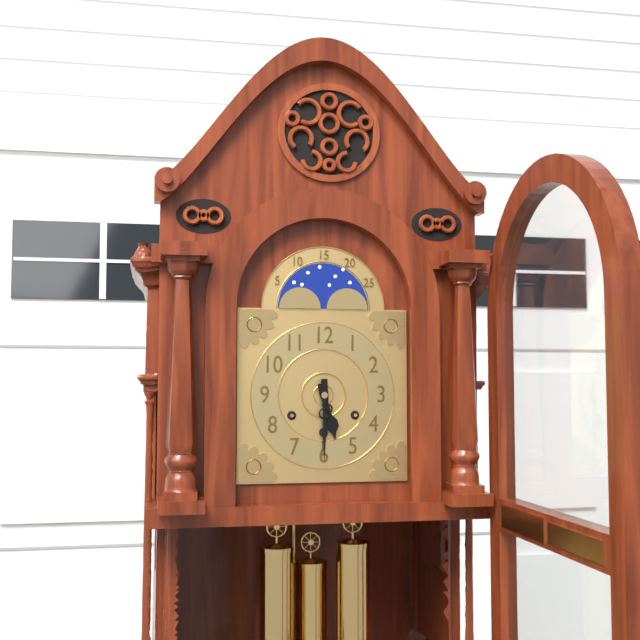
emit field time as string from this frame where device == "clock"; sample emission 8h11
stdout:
5h30
